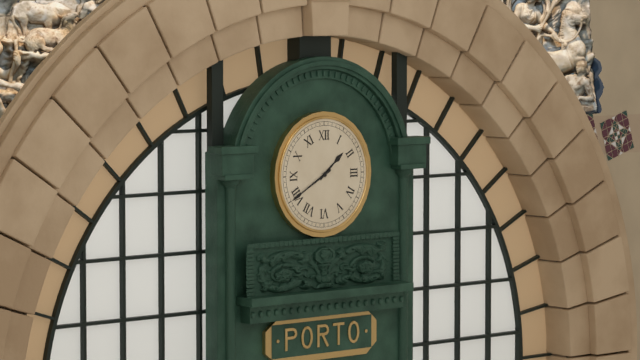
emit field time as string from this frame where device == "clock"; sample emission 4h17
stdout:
1h40
